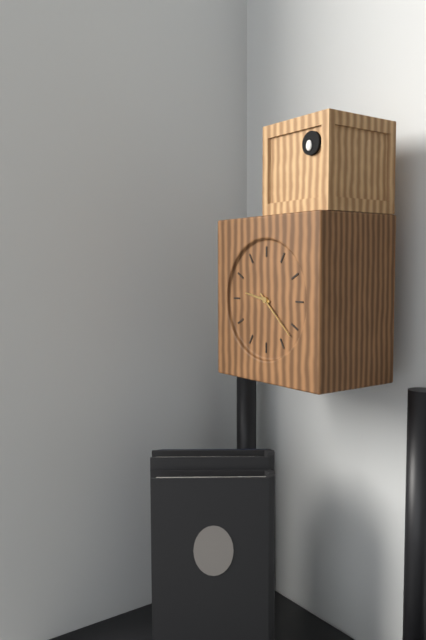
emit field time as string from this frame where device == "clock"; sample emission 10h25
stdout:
9h22
